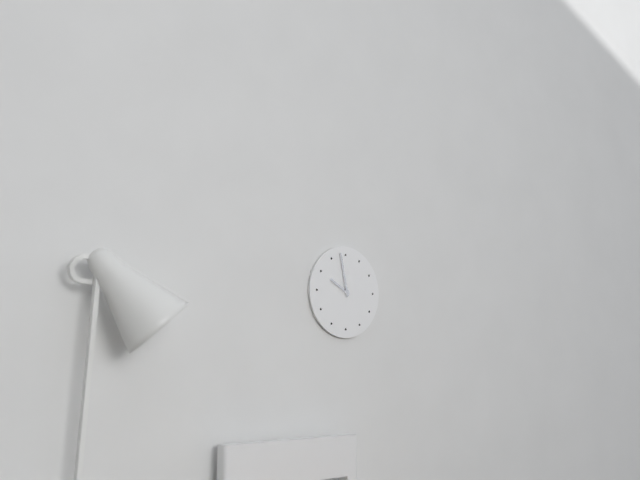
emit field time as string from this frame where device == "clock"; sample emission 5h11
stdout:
9h58
